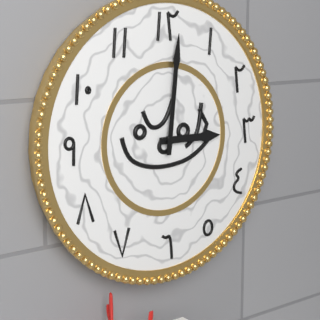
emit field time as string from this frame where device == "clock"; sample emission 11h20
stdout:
3h01
